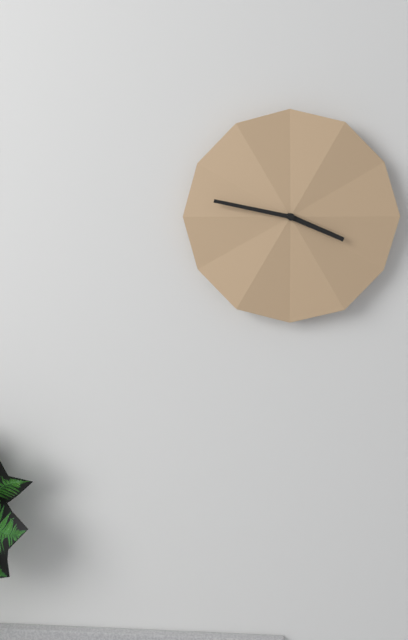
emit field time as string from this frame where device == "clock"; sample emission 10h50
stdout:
3h47
